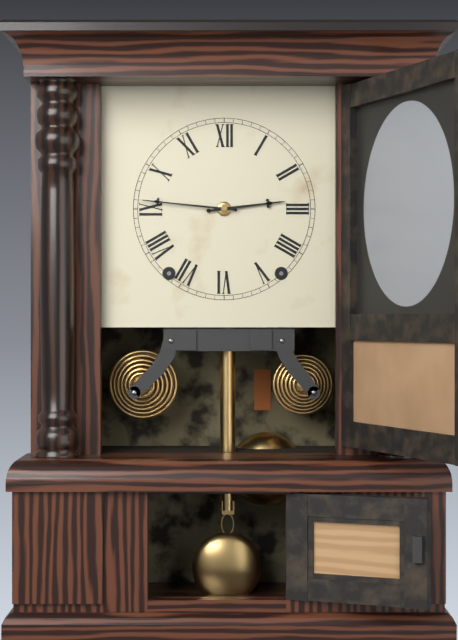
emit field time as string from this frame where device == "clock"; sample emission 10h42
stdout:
2h46
